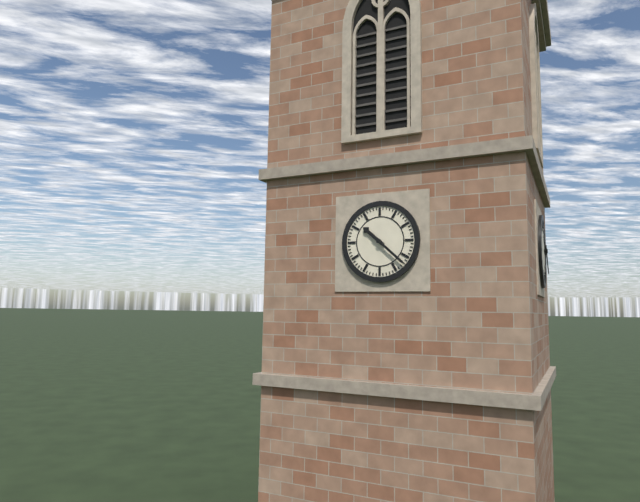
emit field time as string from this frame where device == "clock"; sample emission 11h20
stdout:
10h22
